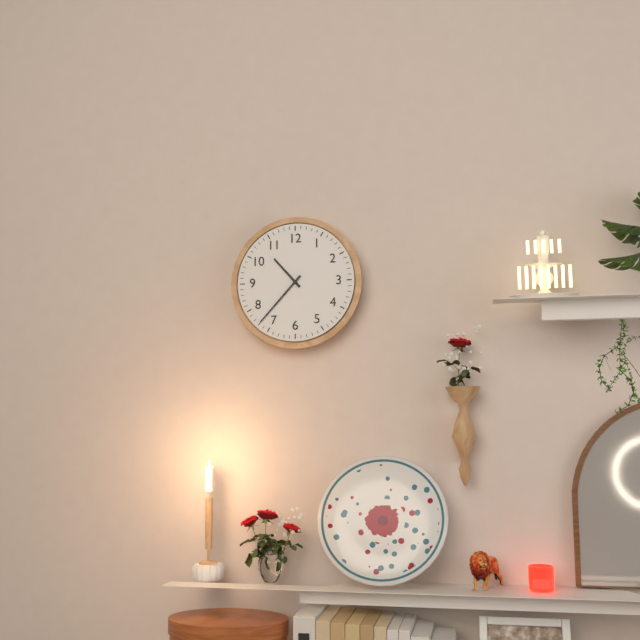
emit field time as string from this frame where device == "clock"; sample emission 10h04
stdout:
10h37
